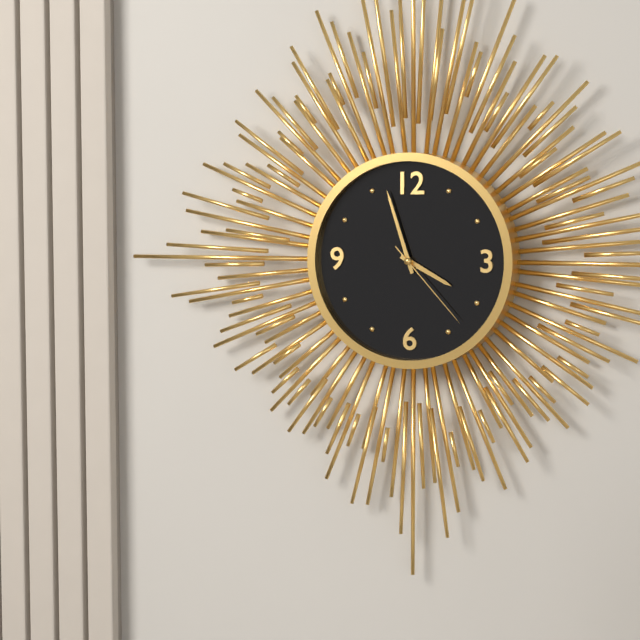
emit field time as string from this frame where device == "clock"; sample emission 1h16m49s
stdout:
3h57m23s
